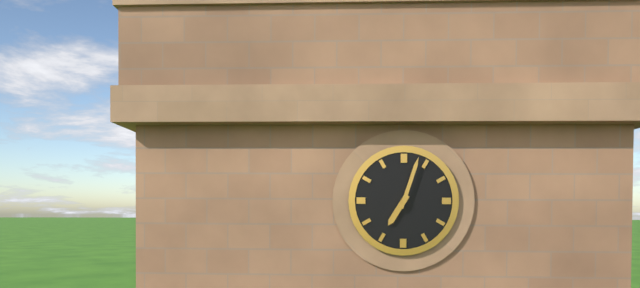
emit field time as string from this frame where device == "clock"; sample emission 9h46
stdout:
7h03
